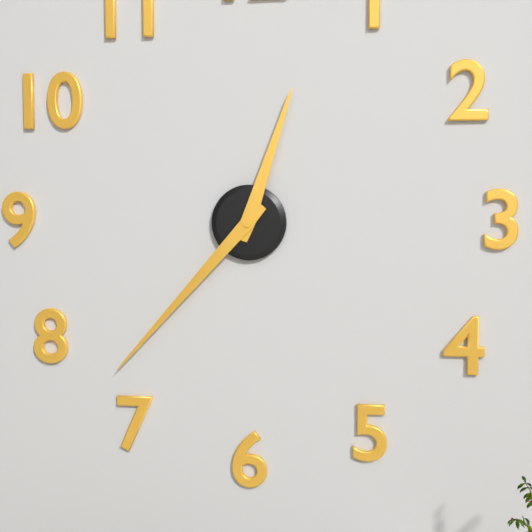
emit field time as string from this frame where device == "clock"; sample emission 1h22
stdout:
12h37
